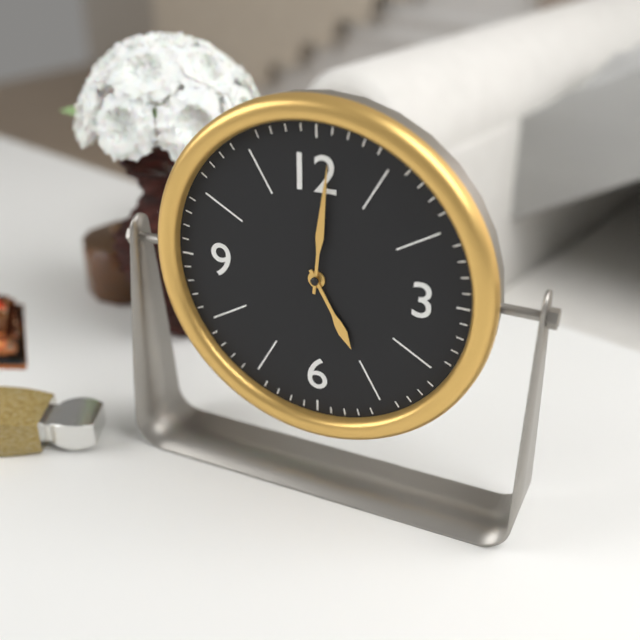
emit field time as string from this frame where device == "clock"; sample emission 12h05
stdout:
5h01
